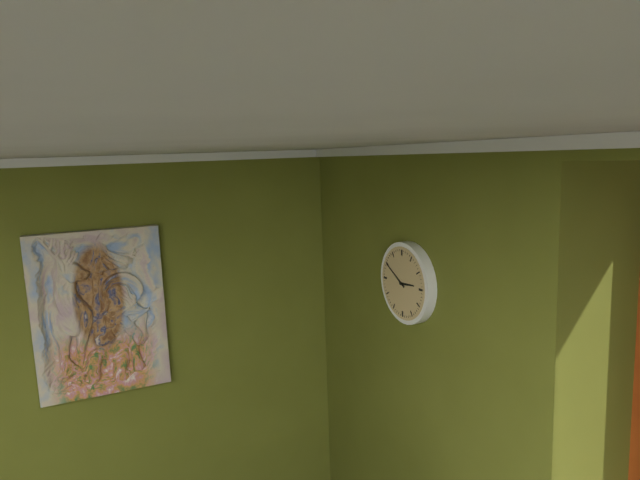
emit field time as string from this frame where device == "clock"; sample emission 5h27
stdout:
2h50
